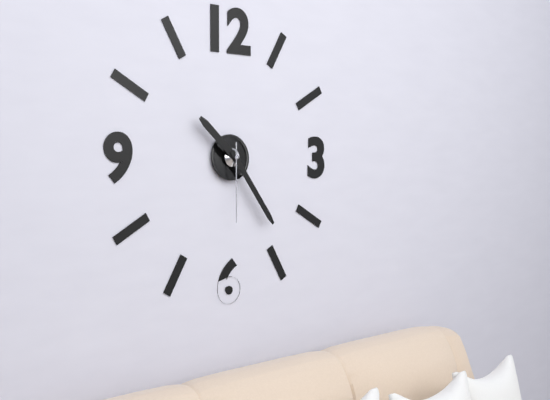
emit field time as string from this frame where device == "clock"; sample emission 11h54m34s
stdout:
10h24m30s
